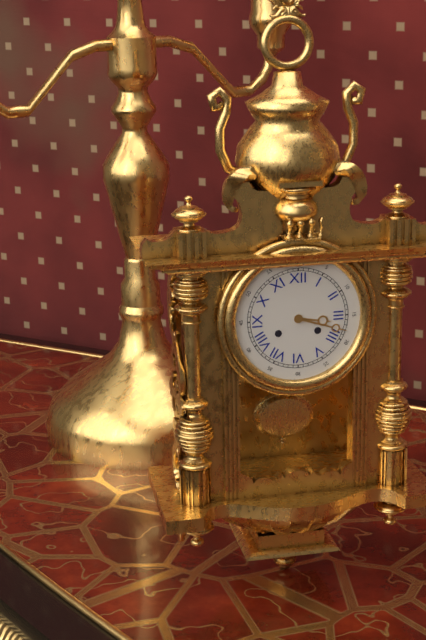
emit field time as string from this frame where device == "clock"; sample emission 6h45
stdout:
3h18
